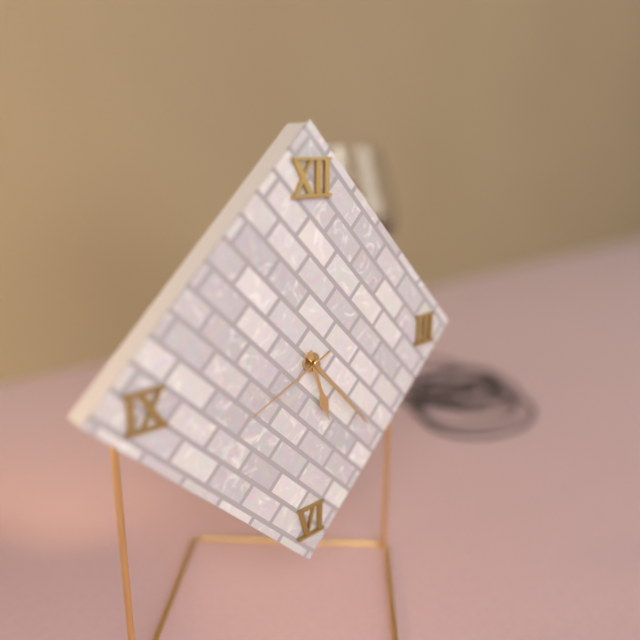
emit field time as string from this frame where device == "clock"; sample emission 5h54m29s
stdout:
5h23m41s
